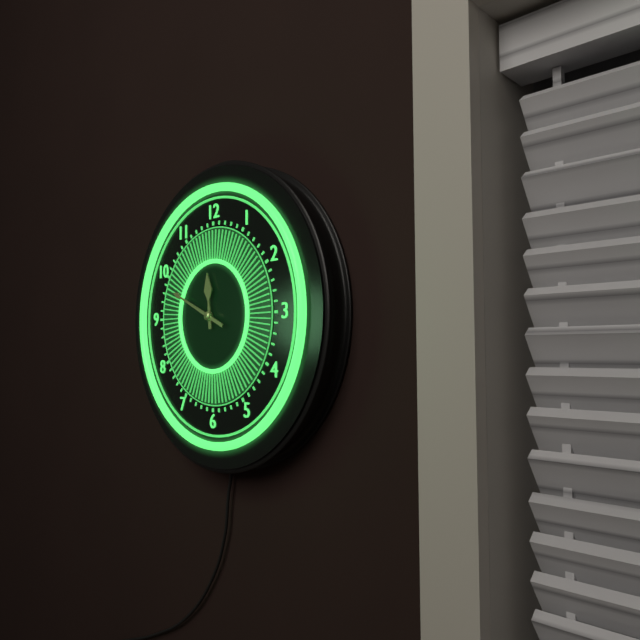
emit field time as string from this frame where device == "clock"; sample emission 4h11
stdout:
11h49
